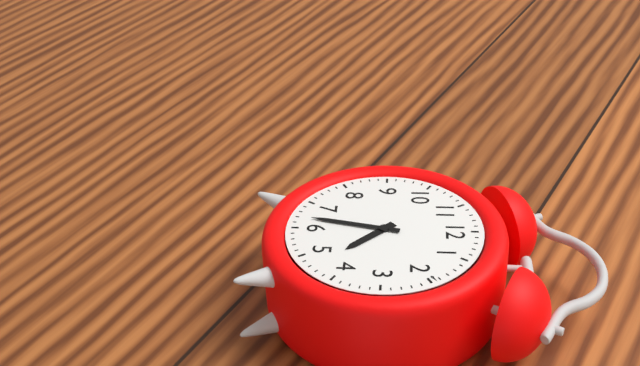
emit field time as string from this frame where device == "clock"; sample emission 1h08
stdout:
4h32
